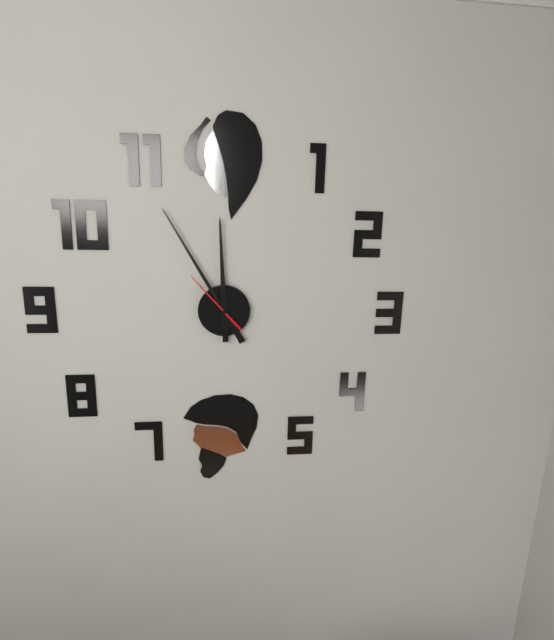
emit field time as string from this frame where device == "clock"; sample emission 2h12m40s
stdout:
11h55m53s
